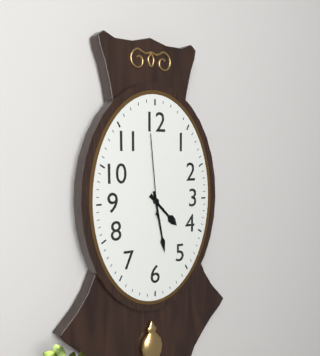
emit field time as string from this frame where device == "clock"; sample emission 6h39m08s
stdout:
4h28m59s
